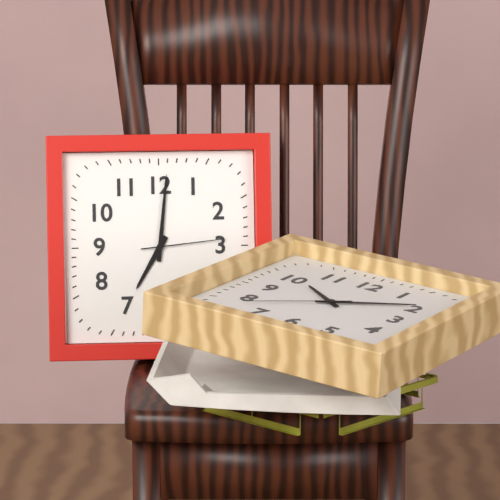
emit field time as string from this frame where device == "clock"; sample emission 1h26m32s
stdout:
7h01m14s
